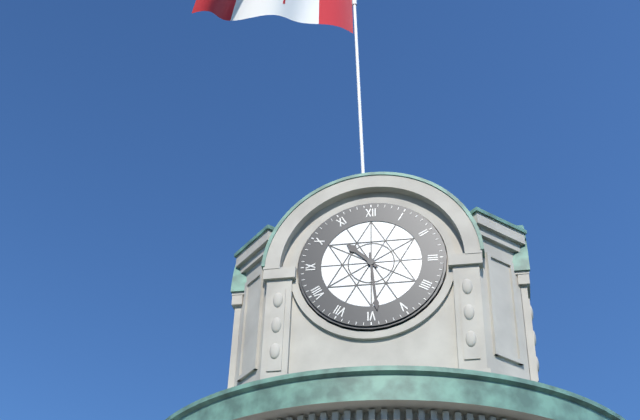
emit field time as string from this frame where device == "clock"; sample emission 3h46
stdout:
10h29
